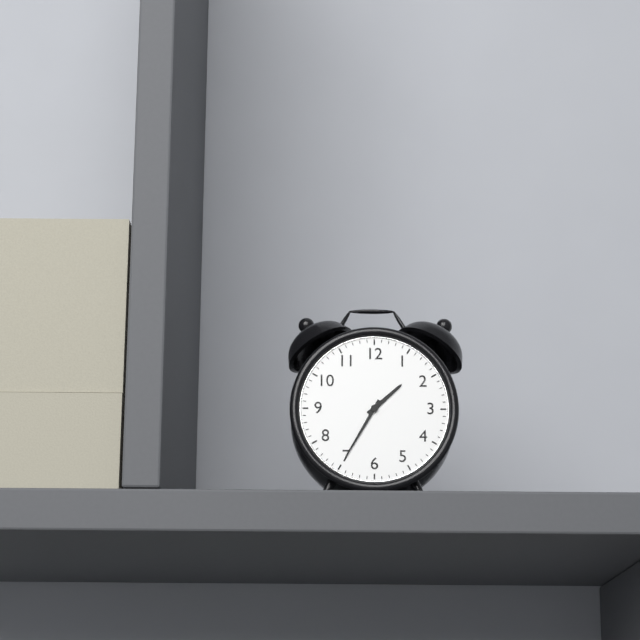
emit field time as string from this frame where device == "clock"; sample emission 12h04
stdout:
1h35
